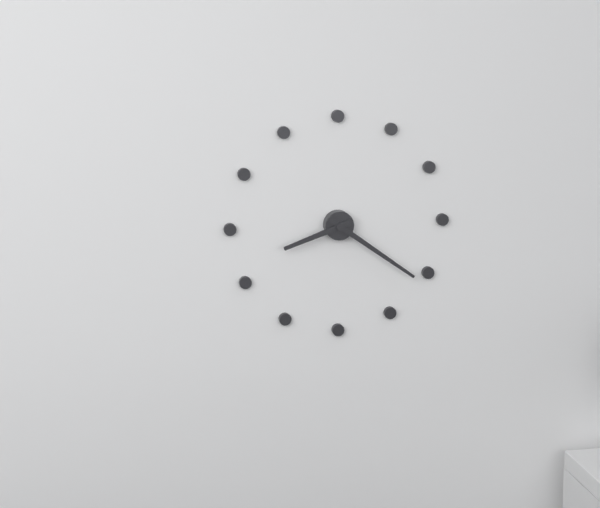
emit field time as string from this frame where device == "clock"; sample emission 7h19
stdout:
8h21
